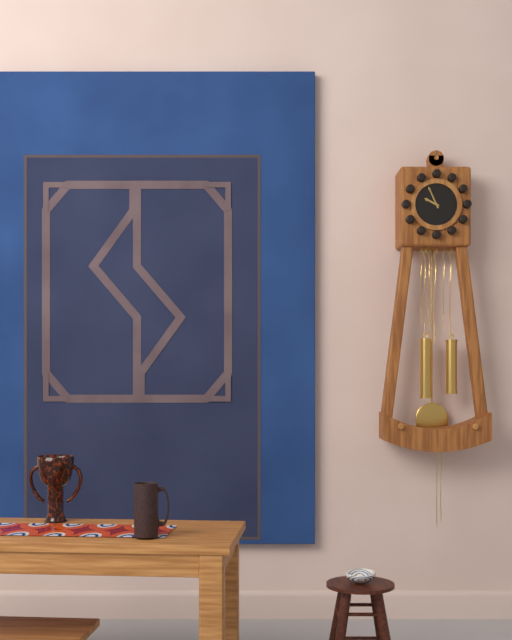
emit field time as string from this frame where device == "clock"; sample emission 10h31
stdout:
9h56
